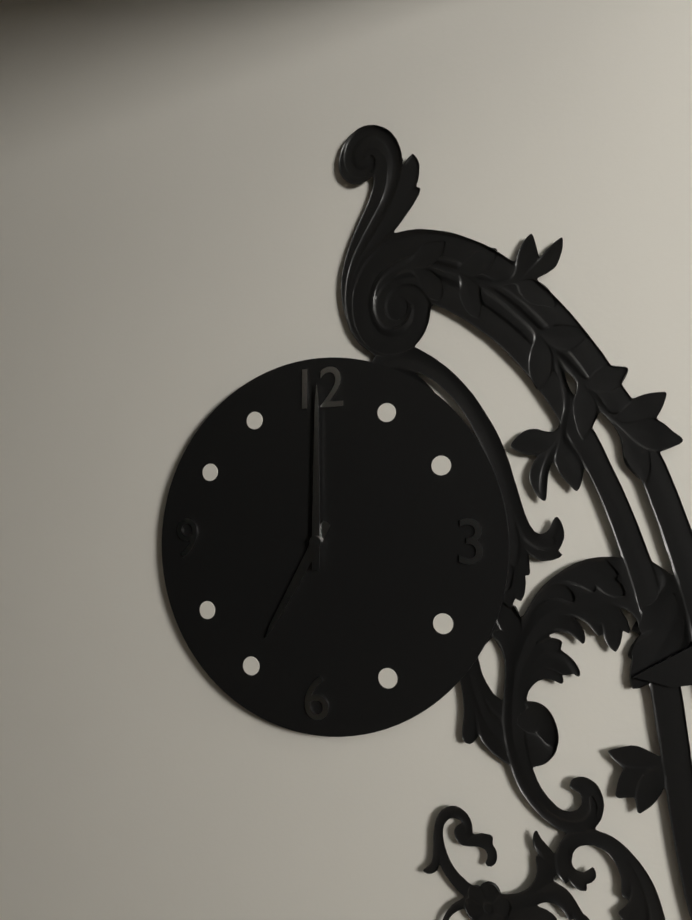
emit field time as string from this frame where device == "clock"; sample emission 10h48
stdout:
7h00
